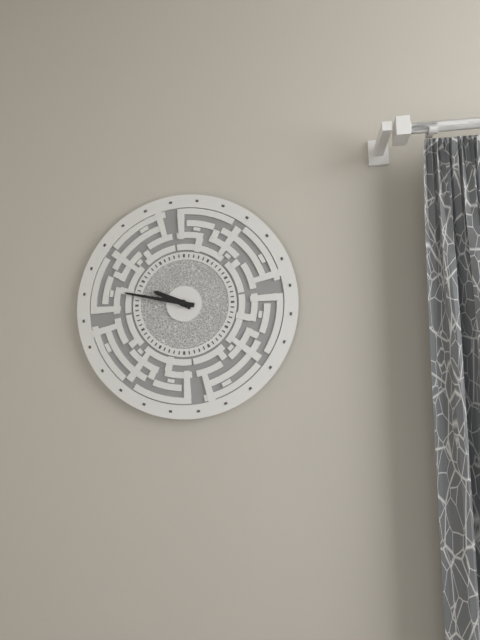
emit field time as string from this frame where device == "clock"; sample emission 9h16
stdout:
9h47
